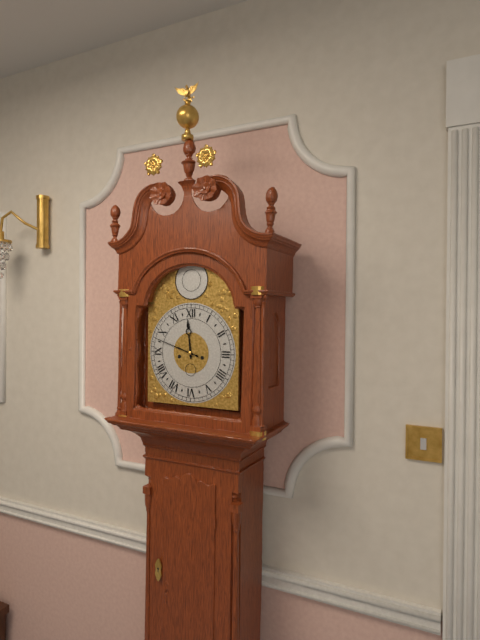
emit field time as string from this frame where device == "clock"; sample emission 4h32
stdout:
11h48
